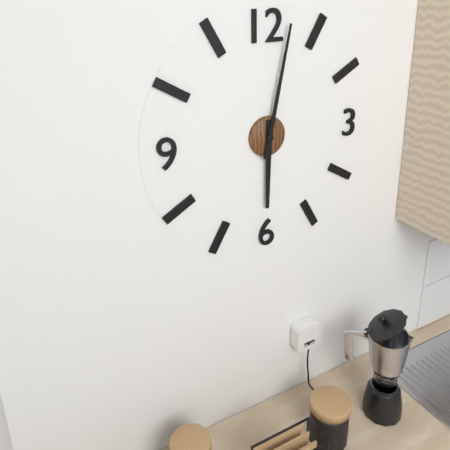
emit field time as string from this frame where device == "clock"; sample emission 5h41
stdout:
6h02
